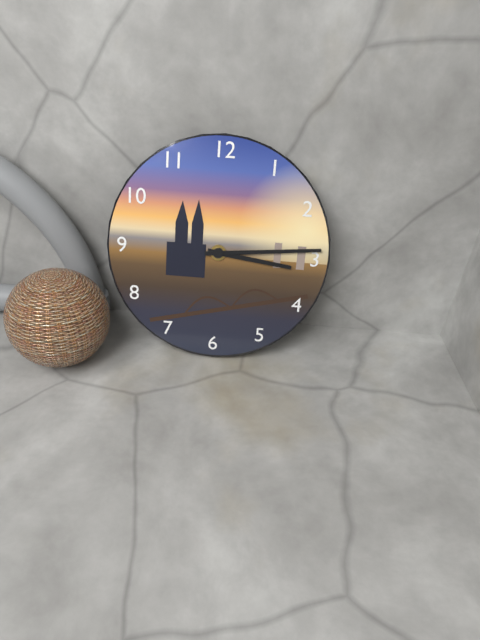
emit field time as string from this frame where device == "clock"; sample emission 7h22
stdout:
3h14
